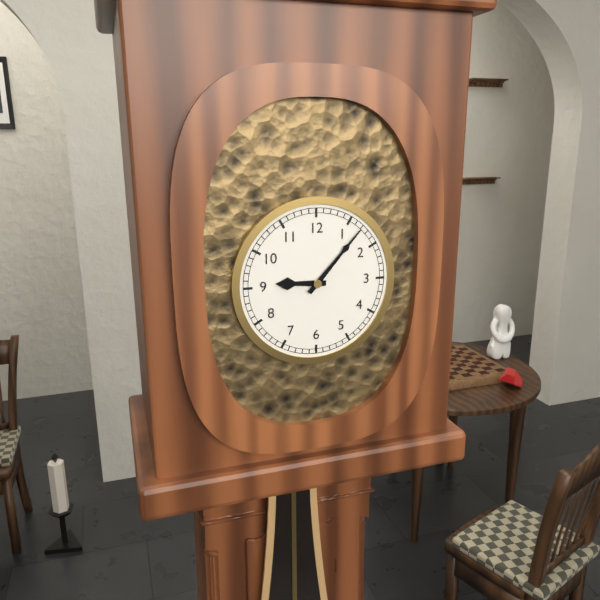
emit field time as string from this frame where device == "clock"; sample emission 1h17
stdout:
9h07
